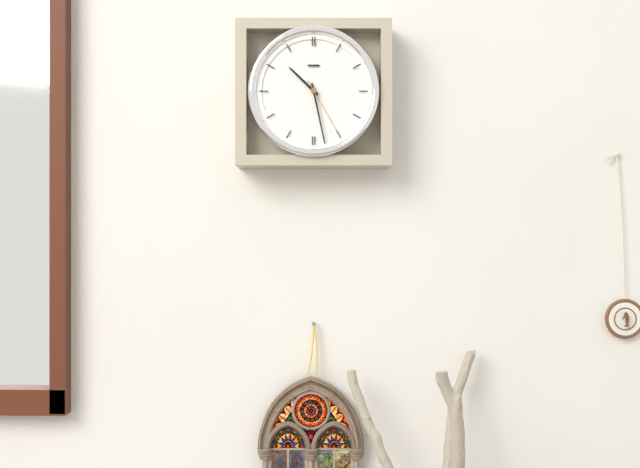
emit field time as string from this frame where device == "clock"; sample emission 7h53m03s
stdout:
10h28m25s
